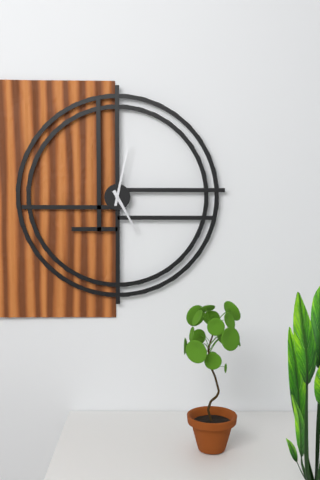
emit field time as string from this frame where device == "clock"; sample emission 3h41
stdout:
5h02
